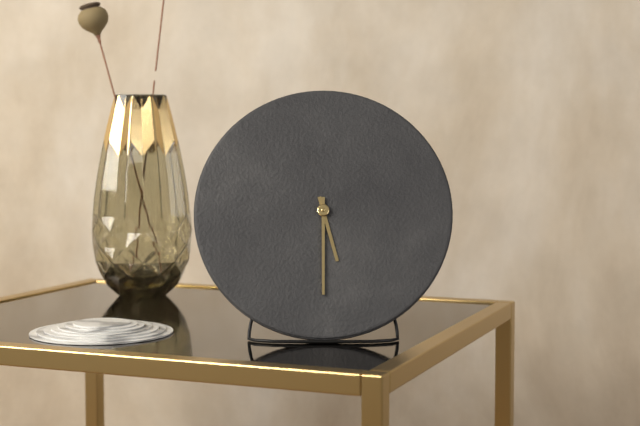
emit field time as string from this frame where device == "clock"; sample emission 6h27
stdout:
5h30
